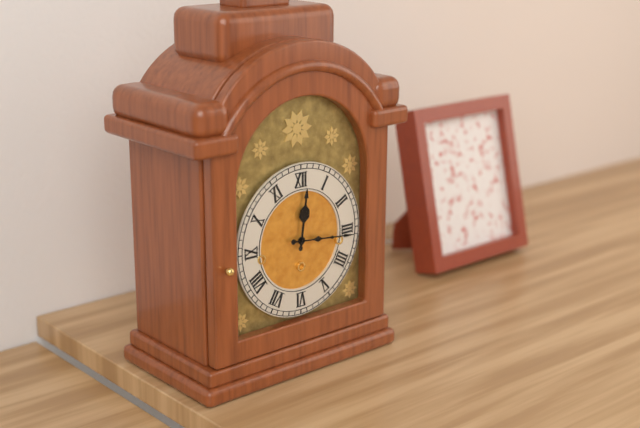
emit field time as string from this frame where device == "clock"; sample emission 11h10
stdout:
12h16
